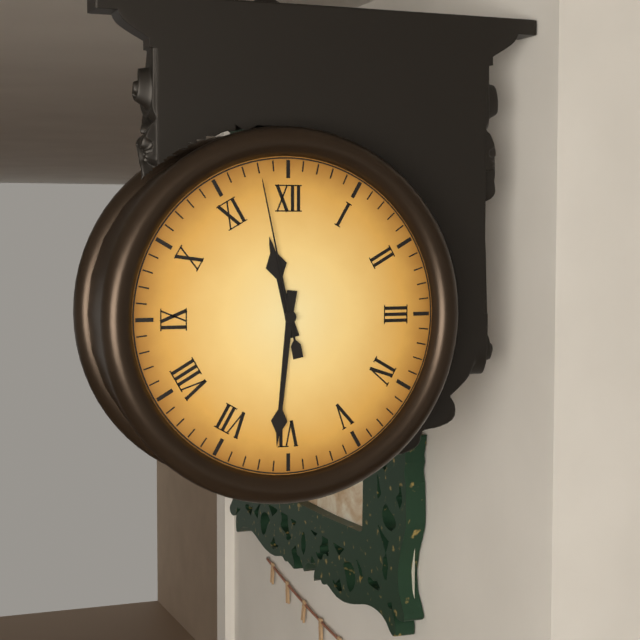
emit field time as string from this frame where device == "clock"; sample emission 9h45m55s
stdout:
11h31m58s
